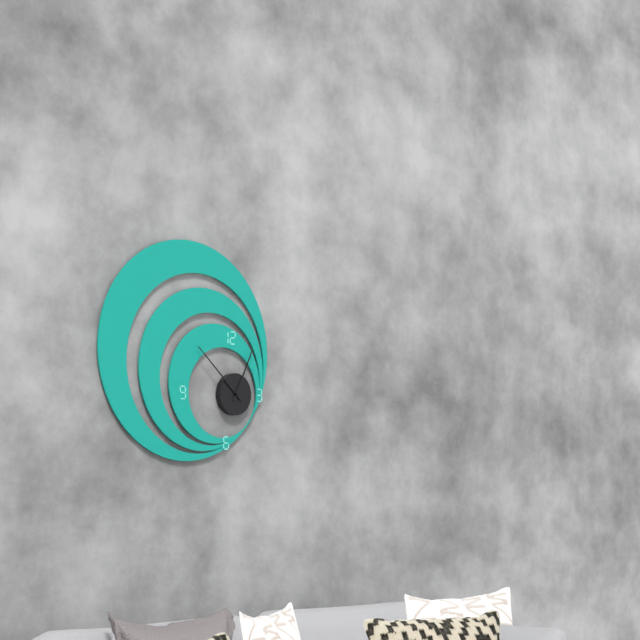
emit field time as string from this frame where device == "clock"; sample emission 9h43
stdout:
12h52
